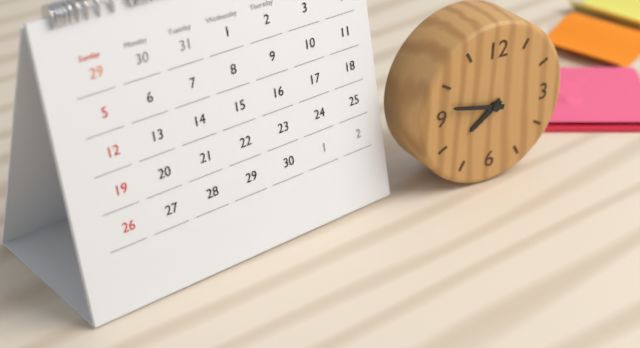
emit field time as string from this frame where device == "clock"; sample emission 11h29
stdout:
7h47
